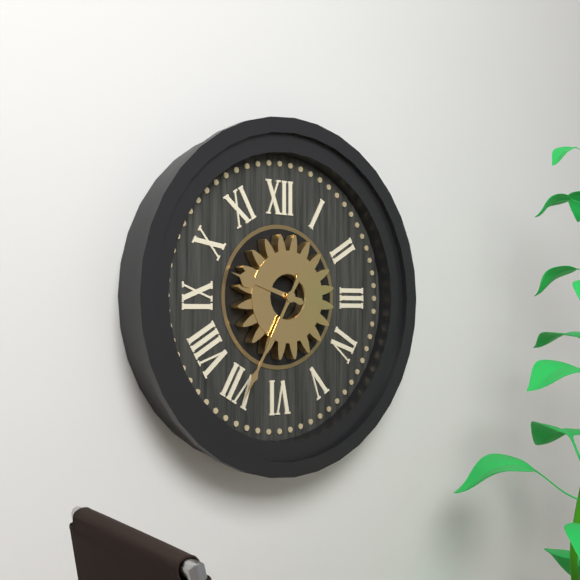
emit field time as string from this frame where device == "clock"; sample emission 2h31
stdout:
9h35
